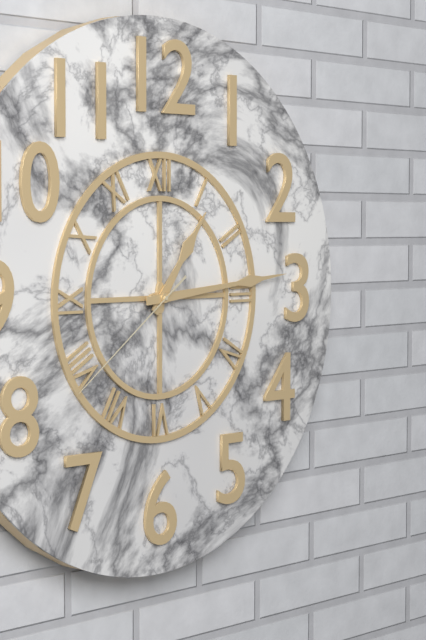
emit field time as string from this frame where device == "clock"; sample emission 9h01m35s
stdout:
1h14m39s
